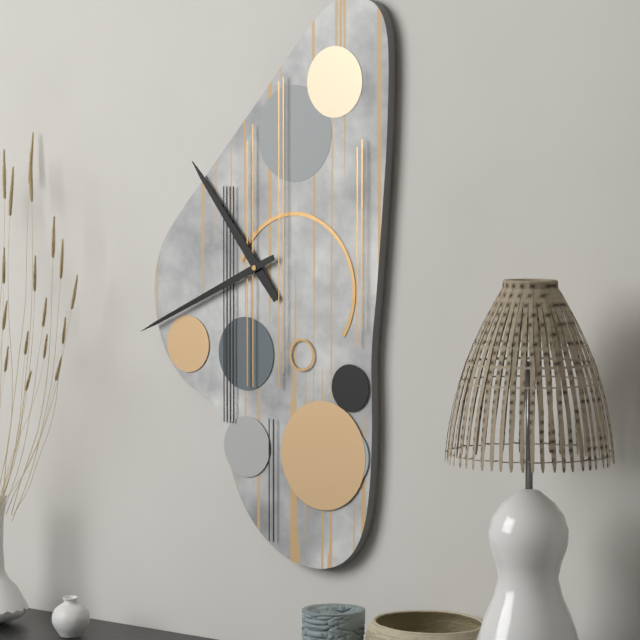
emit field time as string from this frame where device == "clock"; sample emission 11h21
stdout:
10h41
